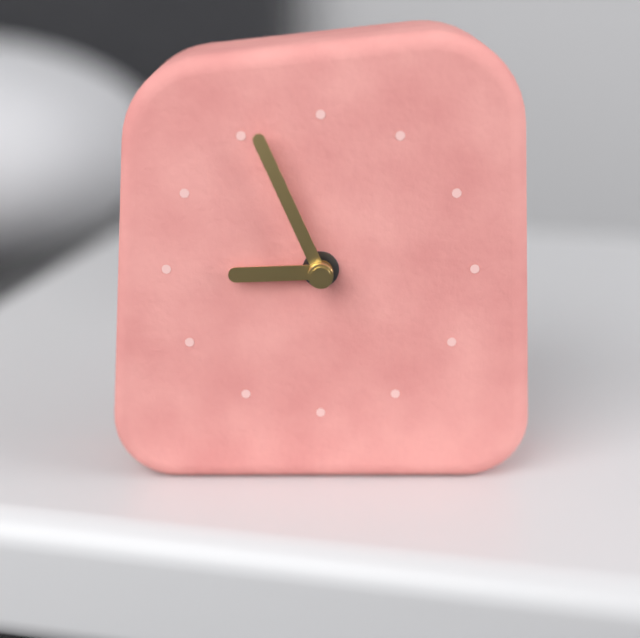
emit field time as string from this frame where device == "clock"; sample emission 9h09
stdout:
8h56
